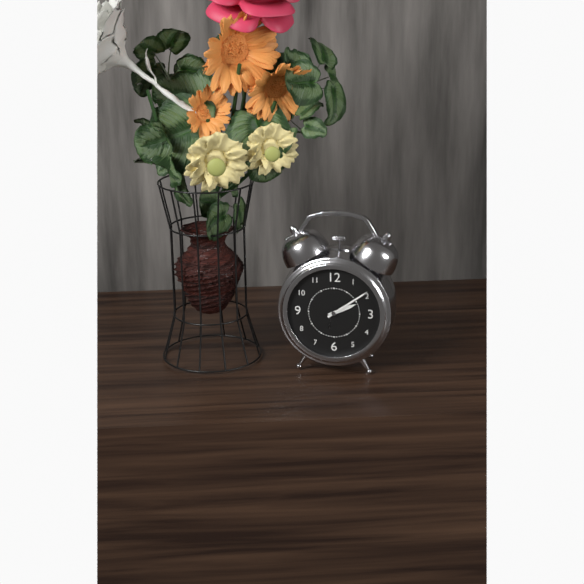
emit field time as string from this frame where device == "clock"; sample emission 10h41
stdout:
2h09
